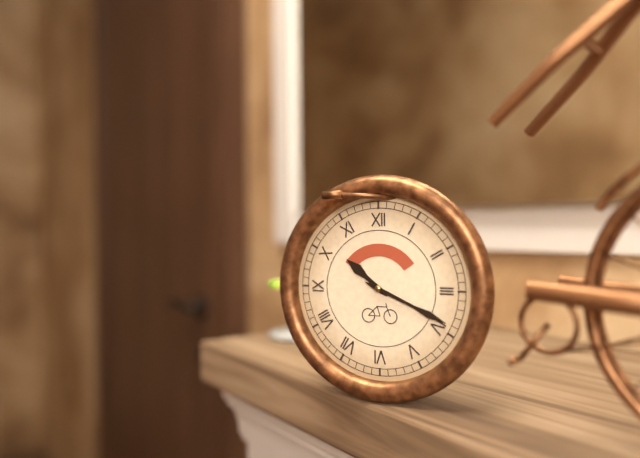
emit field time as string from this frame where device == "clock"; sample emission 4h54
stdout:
10h19
